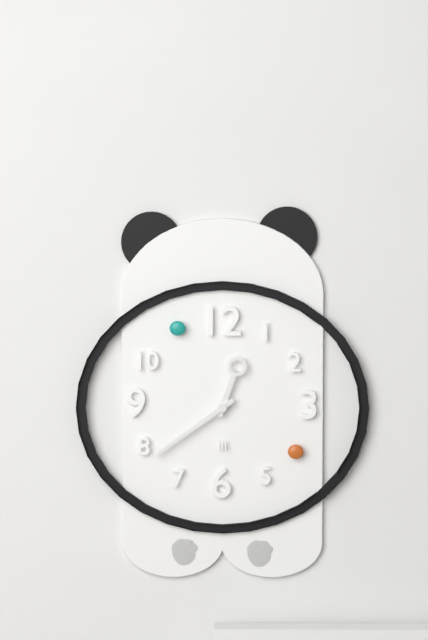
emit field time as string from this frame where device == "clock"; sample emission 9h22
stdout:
12h39
